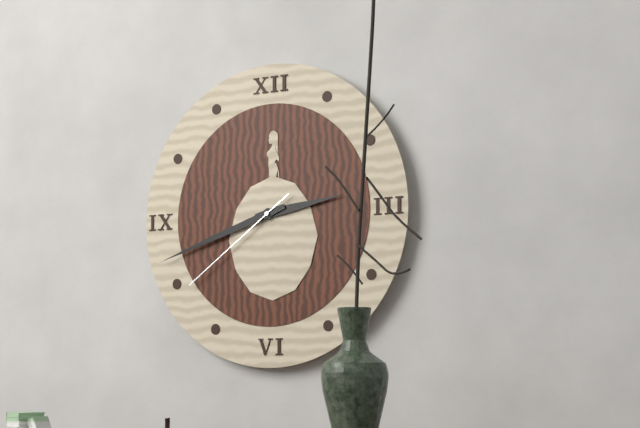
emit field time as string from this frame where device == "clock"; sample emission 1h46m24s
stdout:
2h42m39s
